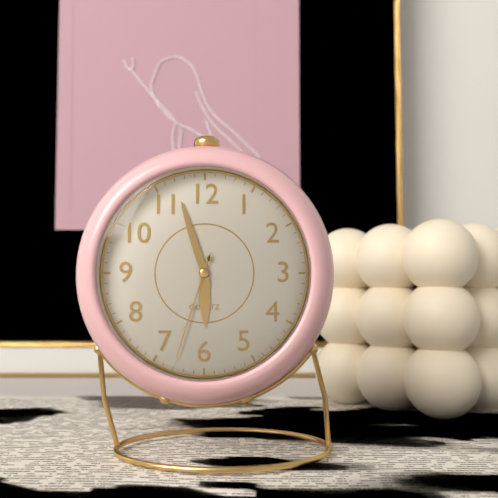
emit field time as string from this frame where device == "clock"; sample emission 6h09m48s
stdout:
5h57m33s
